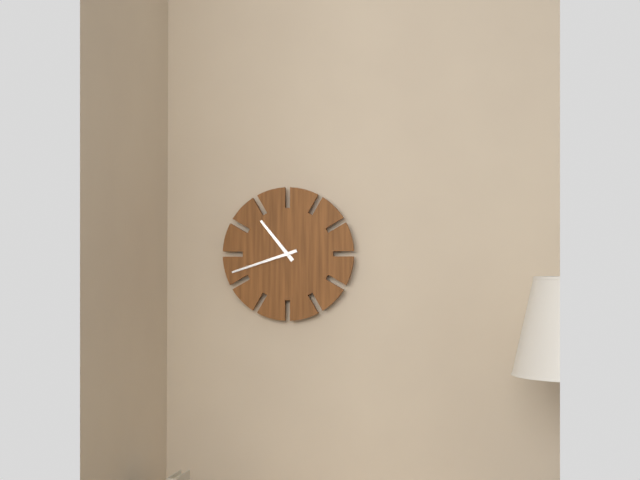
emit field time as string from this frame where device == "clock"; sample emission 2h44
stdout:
10h42
